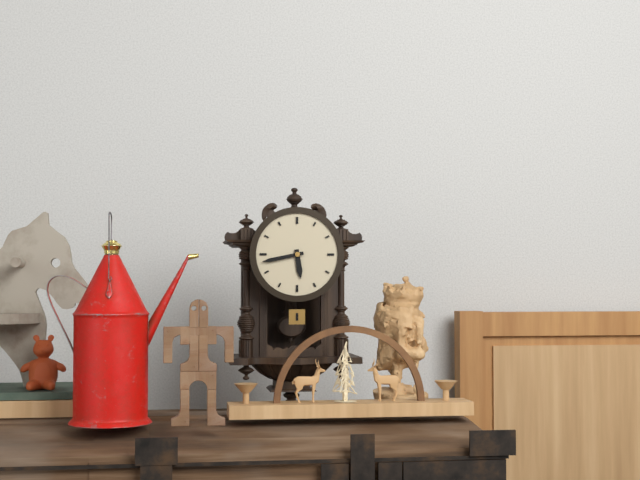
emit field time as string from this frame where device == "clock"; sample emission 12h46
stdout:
5h43
